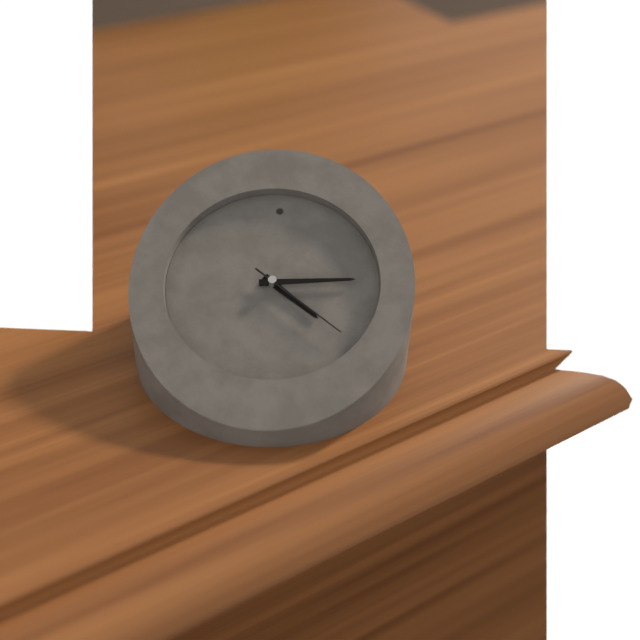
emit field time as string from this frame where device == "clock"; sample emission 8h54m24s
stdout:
4h14m21s
